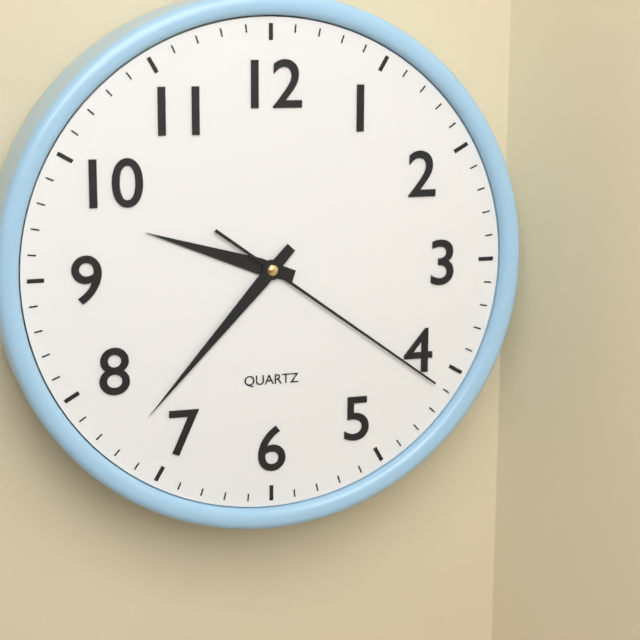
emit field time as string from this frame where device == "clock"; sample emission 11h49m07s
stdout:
9h37m21s
